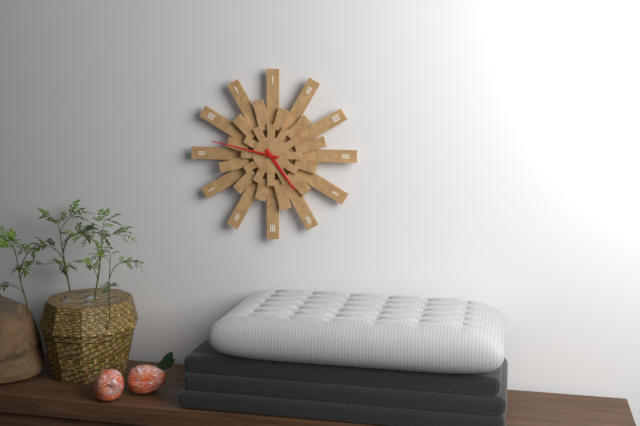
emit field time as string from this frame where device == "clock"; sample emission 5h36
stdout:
4h47
